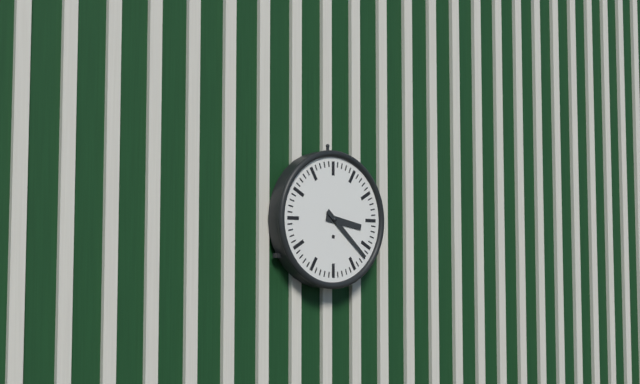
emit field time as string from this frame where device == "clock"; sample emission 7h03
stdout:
3h22
